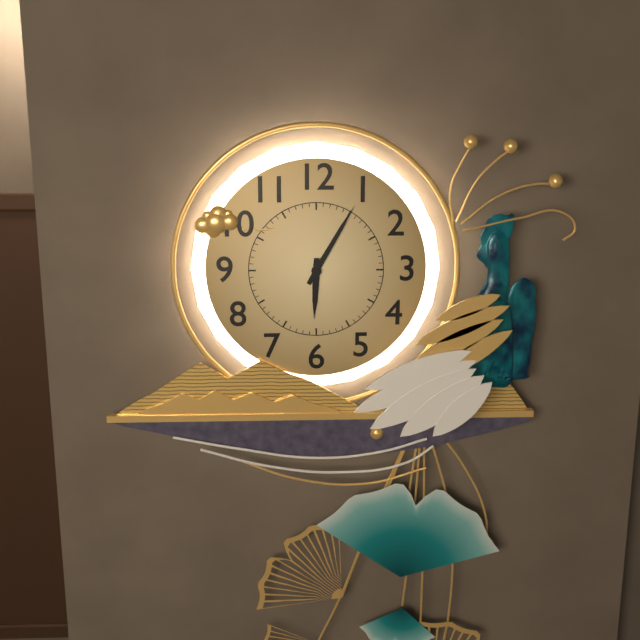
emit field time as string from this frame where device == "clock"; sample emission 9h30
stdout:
6h05
